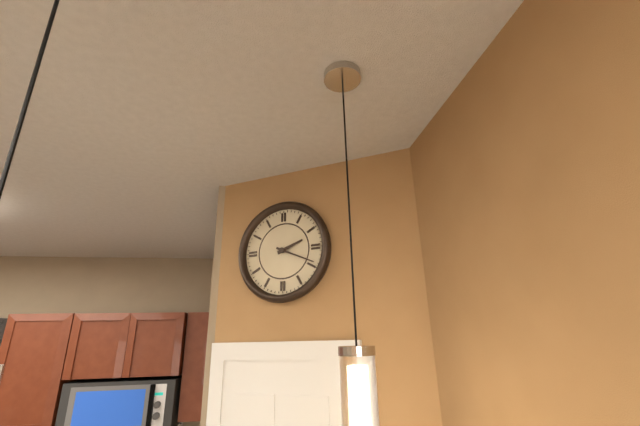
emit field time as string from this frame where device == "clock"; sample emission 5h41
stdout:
2h19
